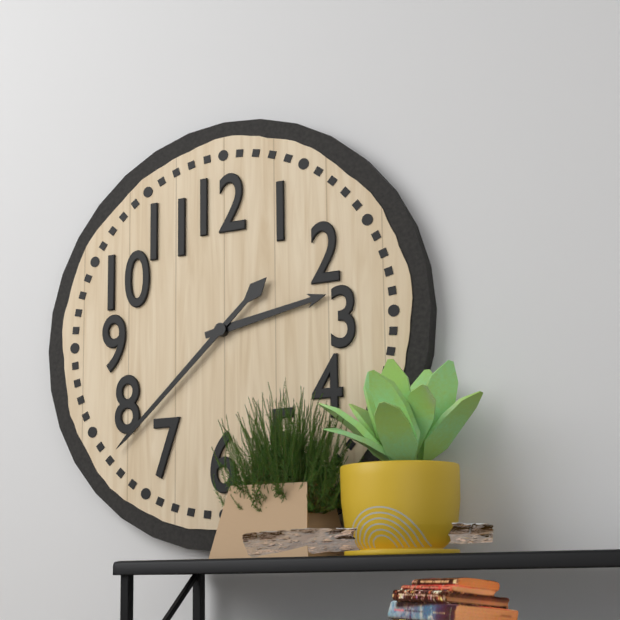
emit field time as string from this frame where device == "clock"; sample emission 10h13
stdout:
2h38
